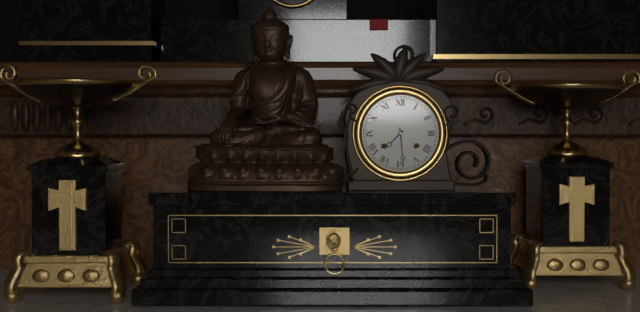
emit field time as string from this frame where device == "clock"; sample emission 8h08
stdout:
7h29
